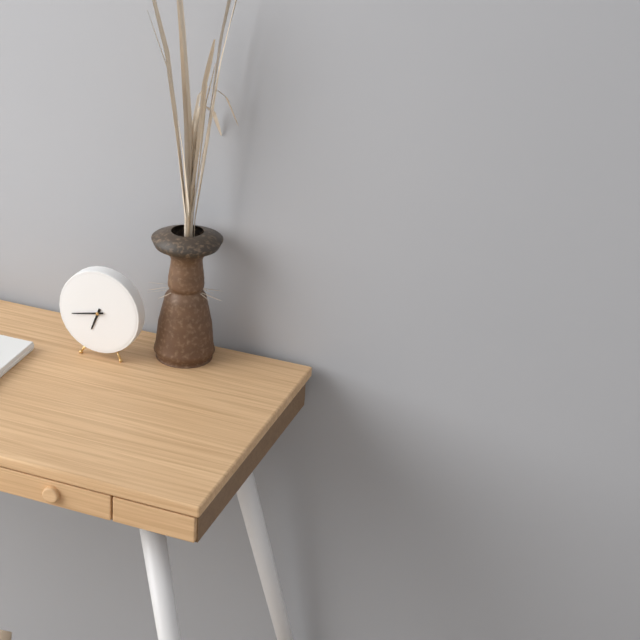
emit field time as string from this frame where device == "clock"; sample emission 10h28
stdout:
6h43
